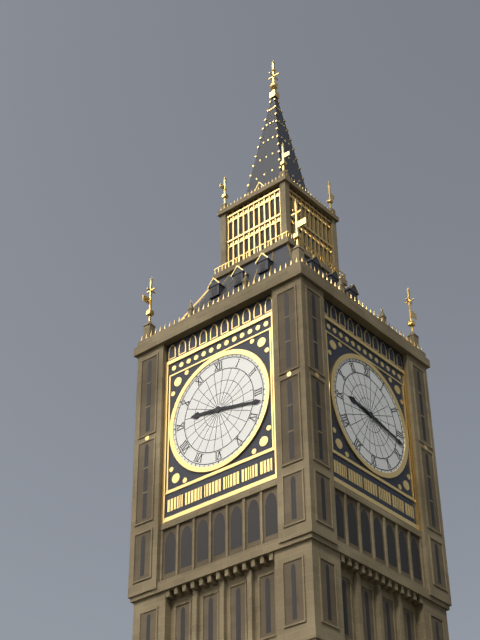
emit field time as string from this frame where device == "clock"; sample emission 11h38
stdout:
9h17
